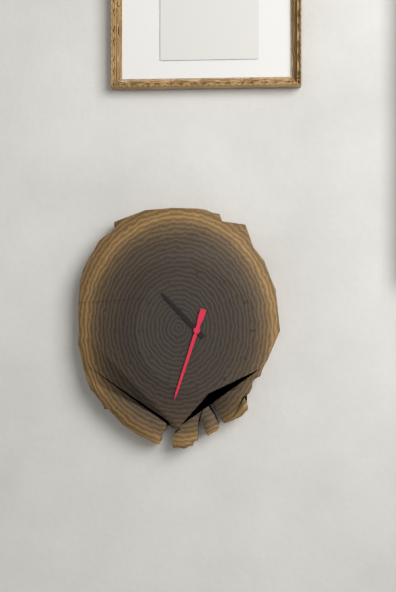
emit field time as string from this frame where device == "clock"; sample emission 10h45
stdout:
10h33
